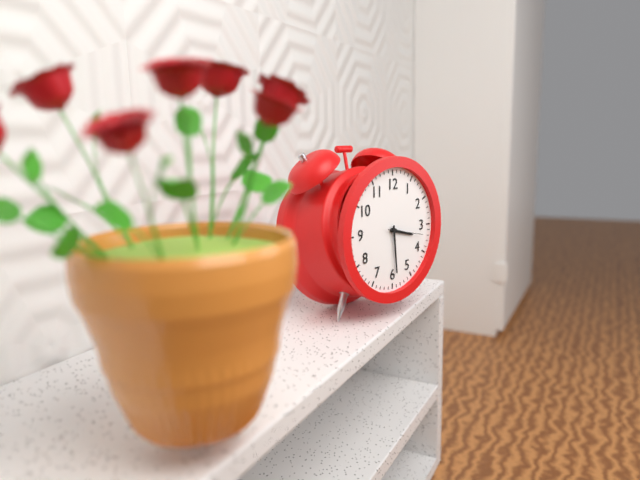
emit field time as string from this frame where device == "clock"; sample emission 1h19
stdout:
3h29
